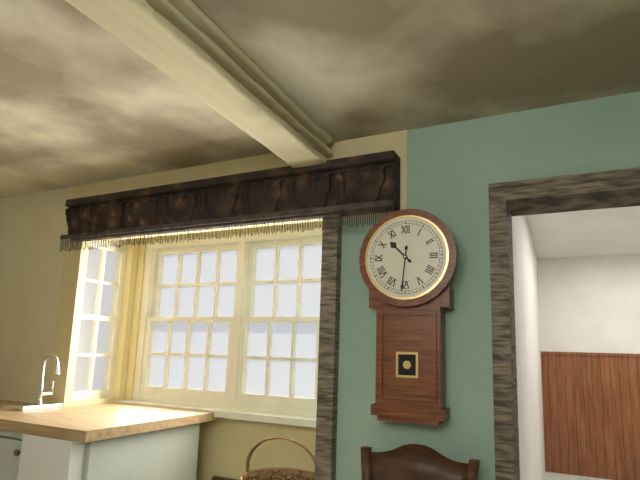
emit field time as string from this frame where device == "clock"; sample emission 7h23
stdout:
10h31
